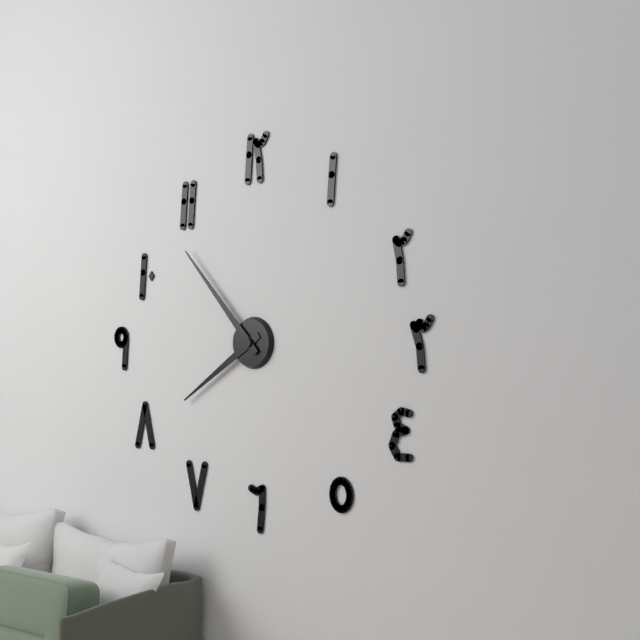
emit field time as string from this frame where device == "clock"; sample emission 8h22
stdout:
7h53
